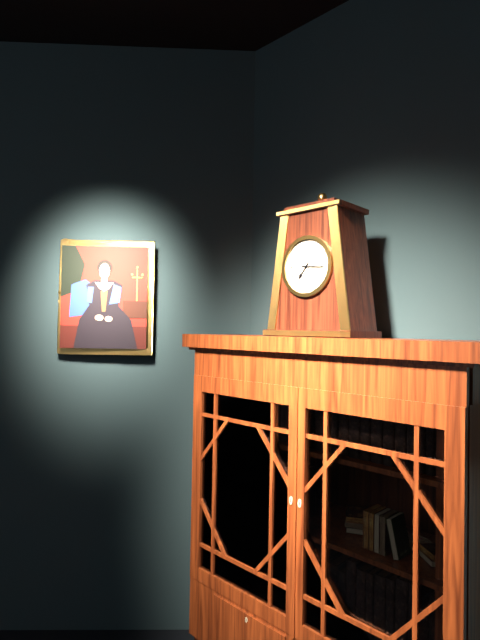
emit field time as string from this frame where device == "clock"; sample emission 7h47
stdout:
7h16
